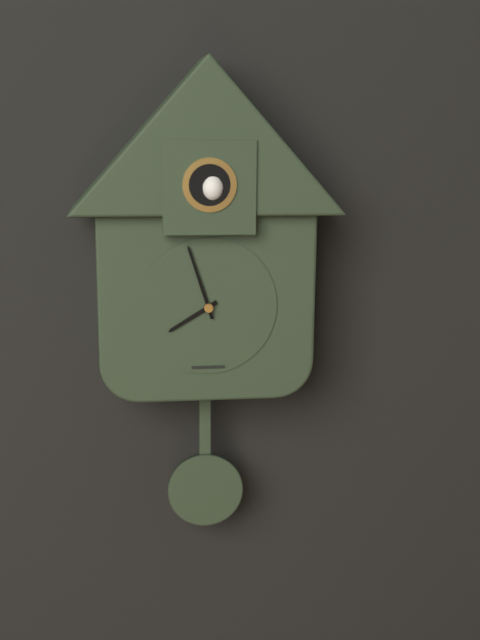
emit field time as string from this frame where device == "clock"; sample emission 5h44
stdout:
7h57
